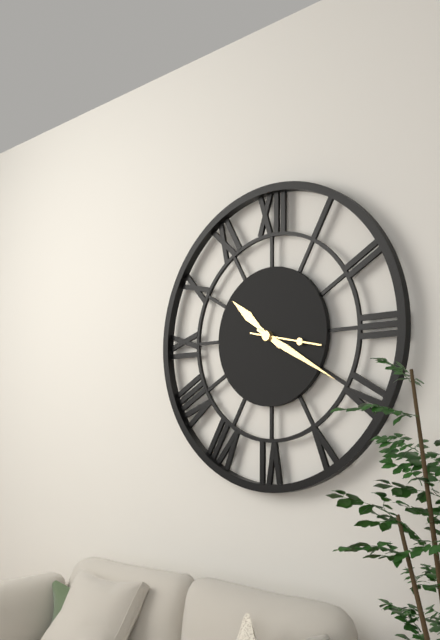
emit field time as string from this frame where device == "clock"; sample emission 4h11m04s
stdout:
10h20m17s
